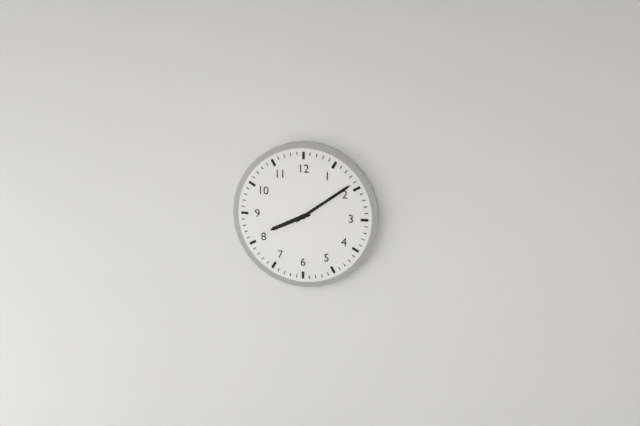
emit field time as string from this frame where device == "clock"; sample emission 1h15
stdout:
8h09
